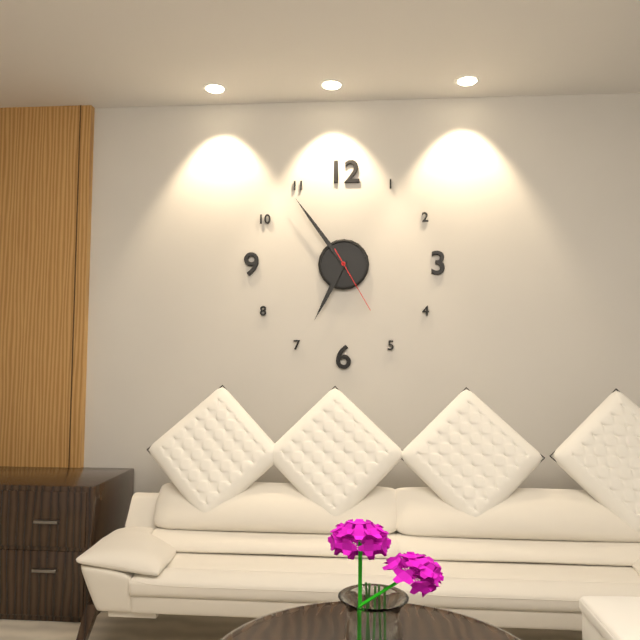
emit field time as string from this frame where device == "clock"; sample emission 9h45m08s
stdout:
6h54m25s
